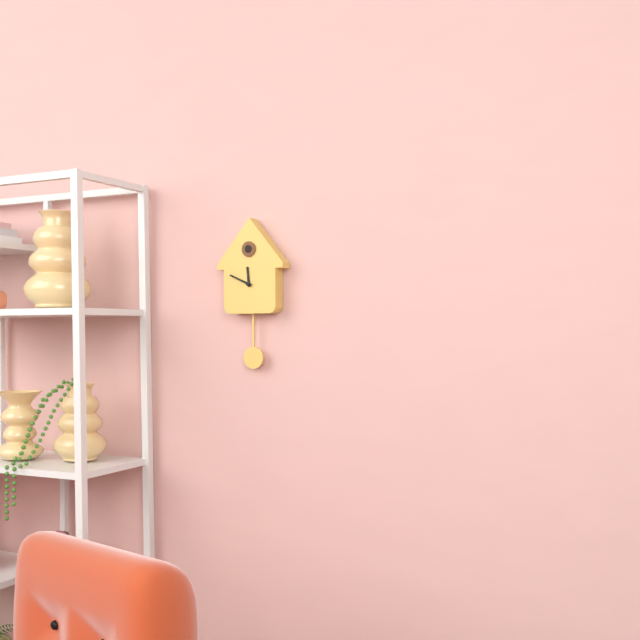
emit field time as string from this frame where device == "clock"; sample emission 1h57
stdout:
11h49
